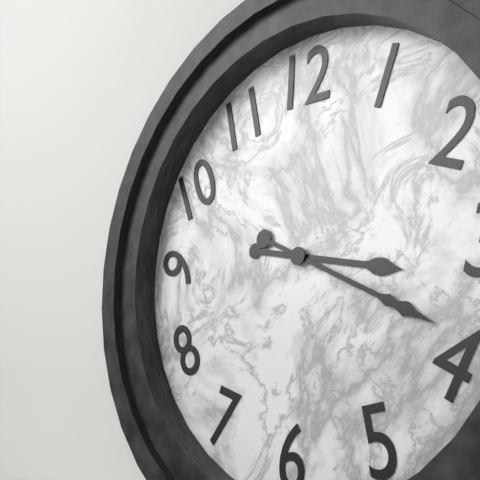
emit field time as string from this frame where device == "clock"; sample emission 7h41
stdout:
3h19
